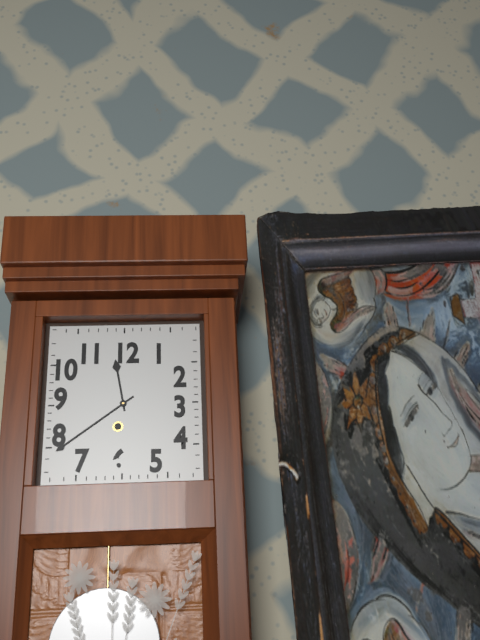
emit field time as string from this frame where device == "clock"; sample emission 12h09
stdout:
11h39
